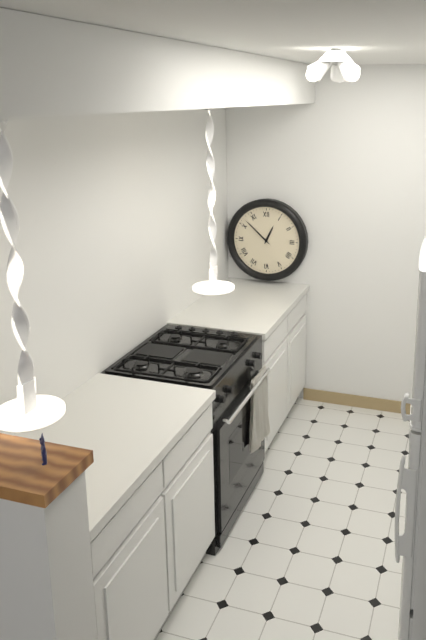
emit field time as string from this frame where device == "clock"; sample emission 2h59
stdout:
12h52
